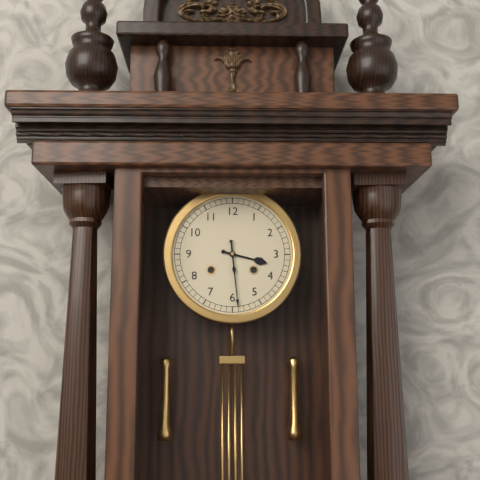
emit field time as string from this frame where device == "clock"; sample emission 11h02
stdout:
3h29
